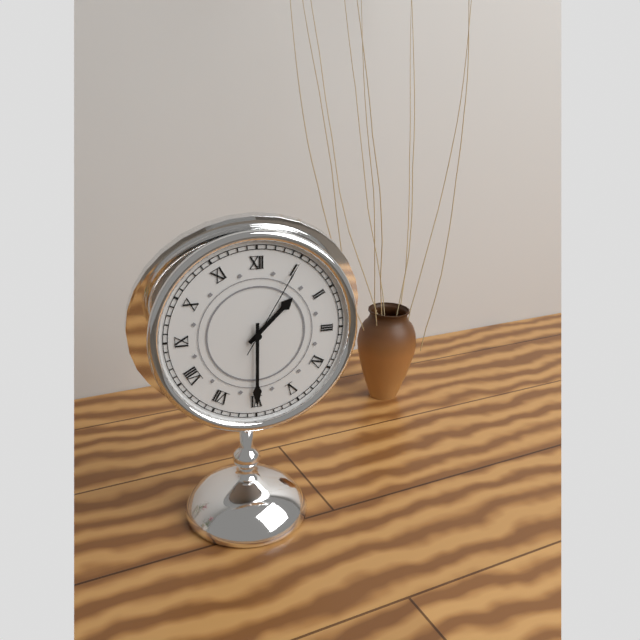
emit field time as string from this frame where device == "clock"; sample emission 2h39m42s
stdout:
1h30m05s
